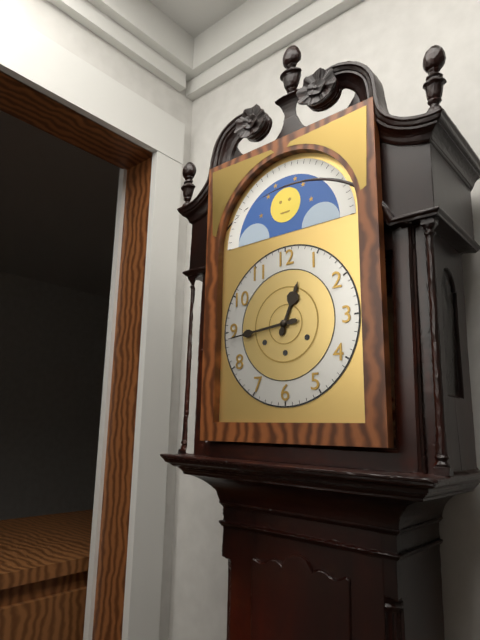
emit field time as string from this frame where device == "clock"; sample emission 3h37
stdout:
12h44
